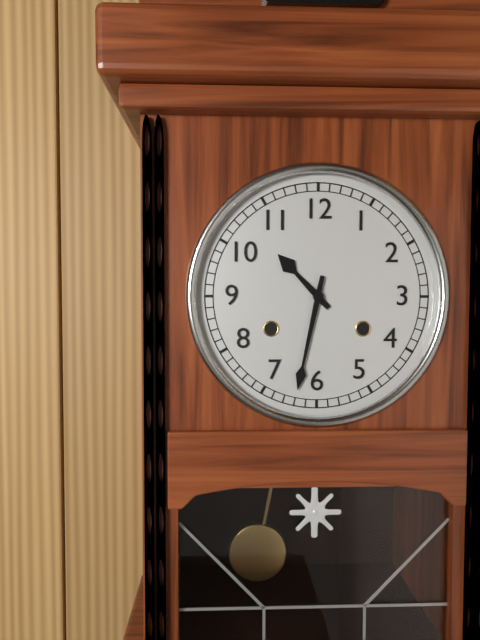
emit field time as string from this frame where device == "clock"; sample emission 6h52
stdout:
10h32
